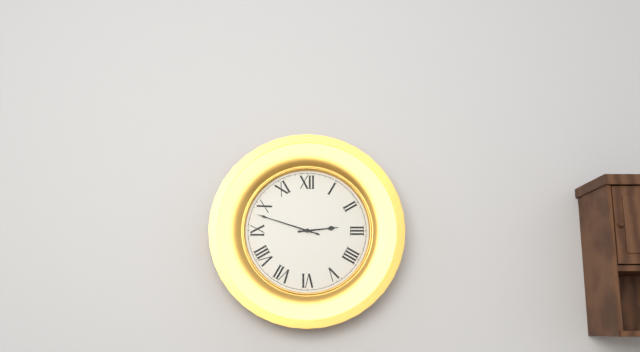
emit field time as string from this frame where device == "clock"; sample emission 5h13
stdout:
2h48
